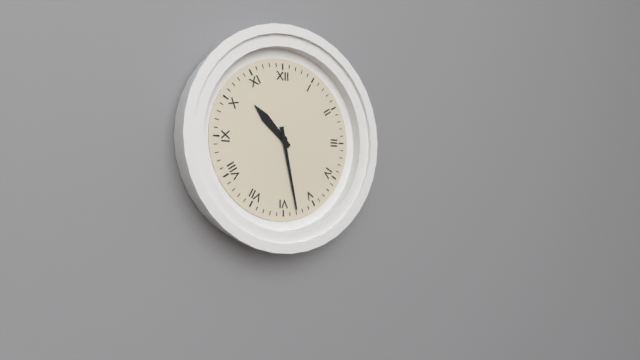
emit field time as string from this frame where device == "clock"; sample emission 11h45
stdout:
10h28
